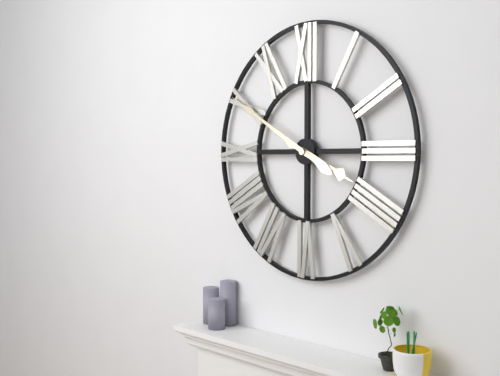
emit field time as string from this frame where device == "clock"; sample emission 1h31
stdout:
3h50
